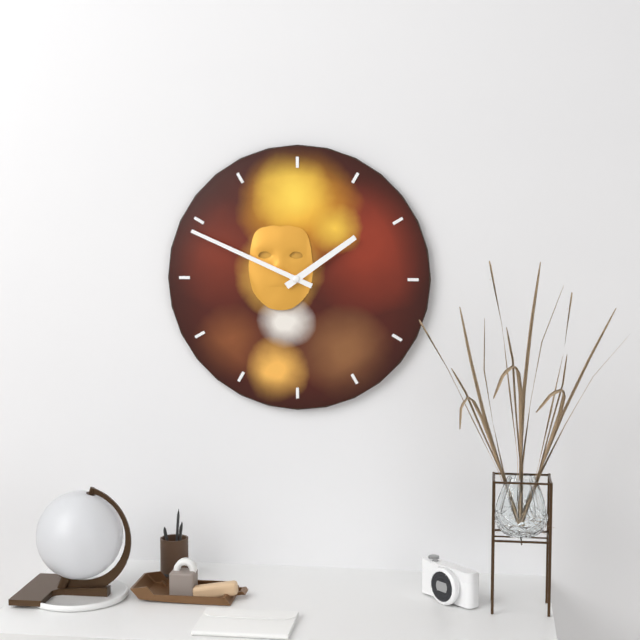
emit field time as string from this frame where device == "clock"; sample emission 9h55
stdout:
1h49
